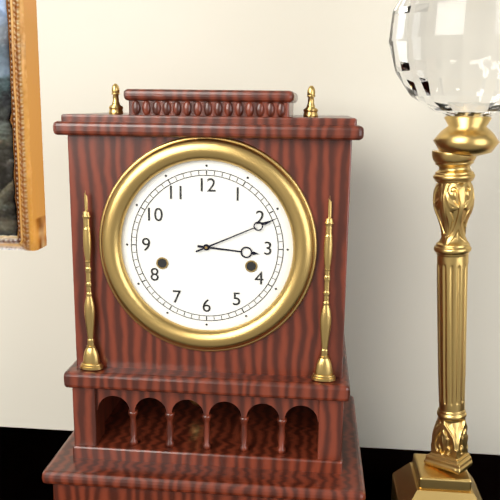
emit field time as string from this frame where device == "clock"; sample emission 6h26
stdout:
3h11
